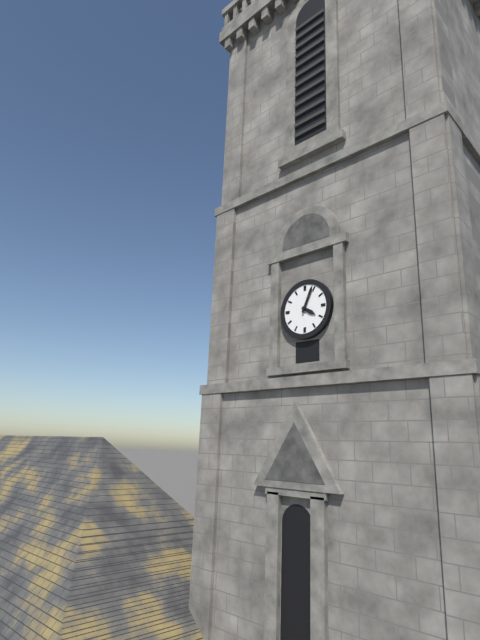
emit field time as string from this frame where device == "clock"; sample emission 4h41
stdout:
4h04
